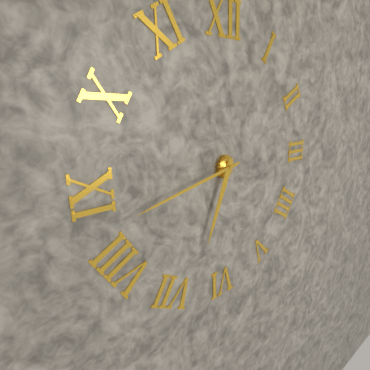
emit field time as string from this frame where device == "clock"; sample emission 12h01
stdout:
6h43
